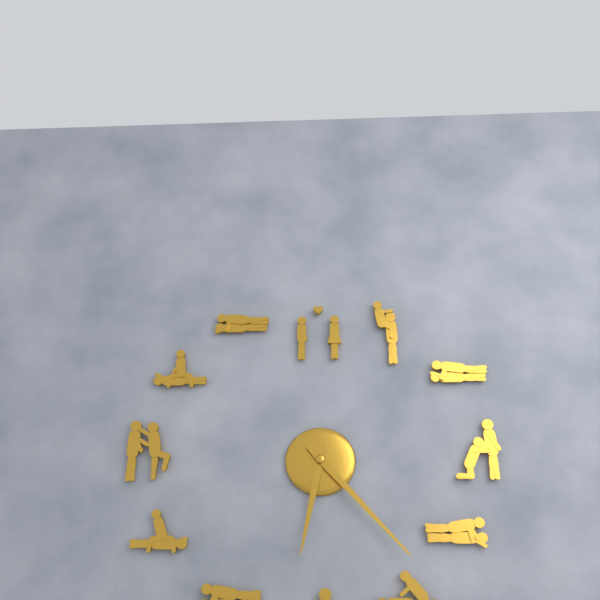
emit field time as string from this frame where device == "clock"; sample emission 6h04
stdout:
6h23
